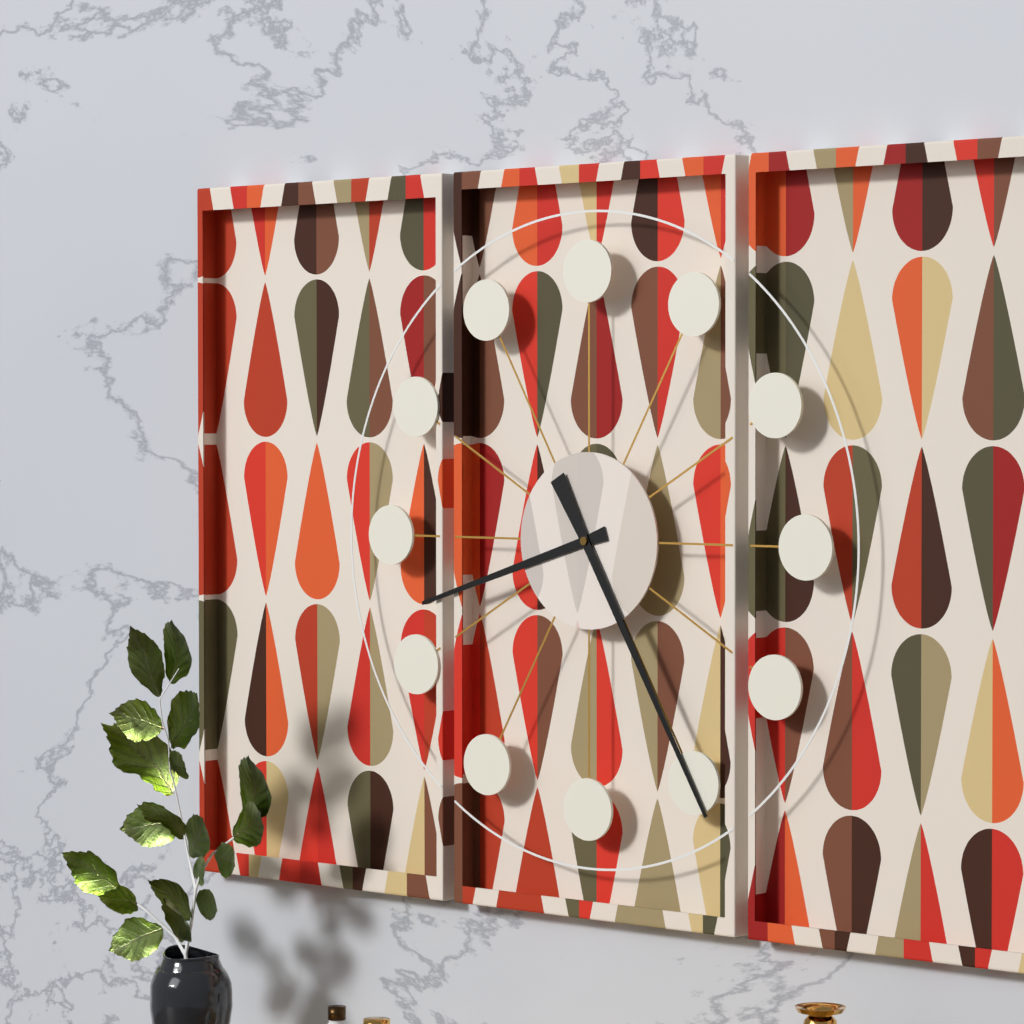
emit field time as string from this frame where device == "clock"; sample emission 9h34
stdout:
8h25
